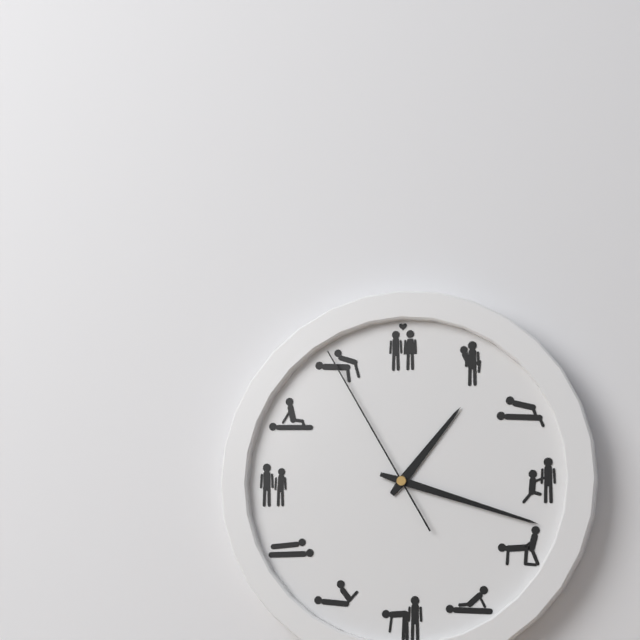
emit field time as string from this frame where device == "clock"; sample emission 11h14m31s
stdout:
1h18m55s
